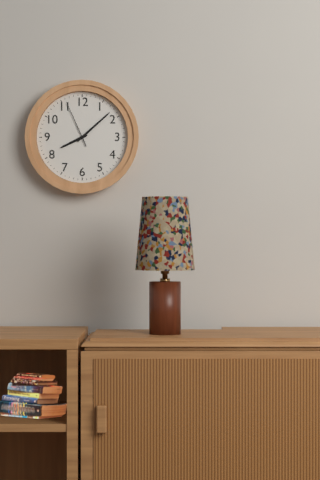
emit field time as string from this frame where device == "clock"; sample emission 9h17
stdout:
8h08
